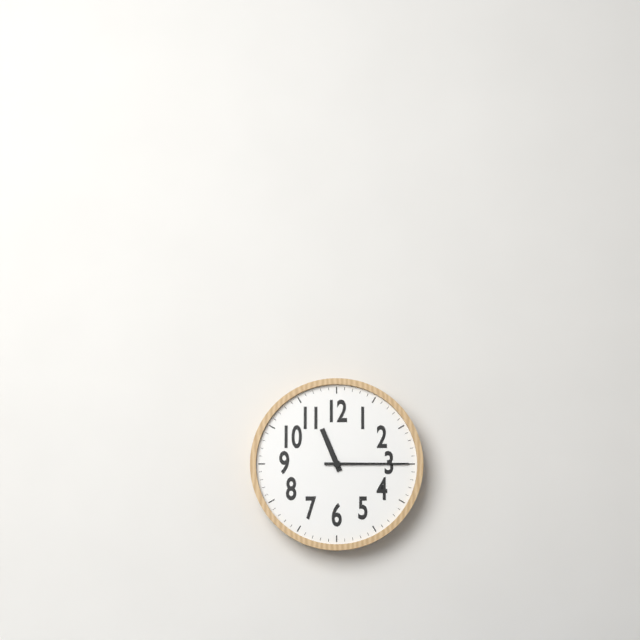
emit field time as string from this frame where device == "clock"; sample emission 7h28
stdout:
11h15
